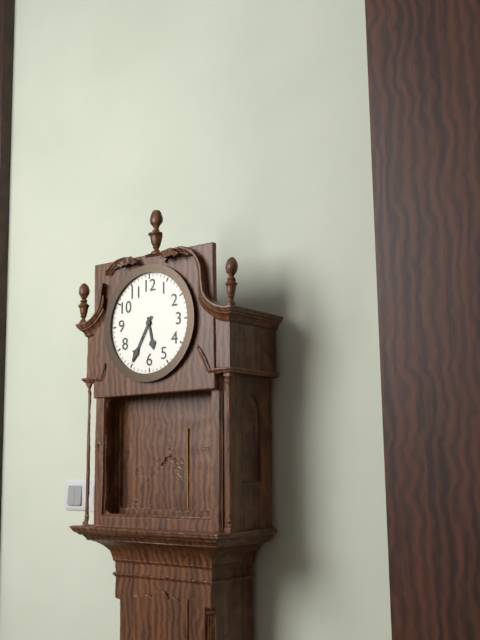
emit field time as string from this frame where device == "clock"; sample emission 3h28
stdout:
5h35
